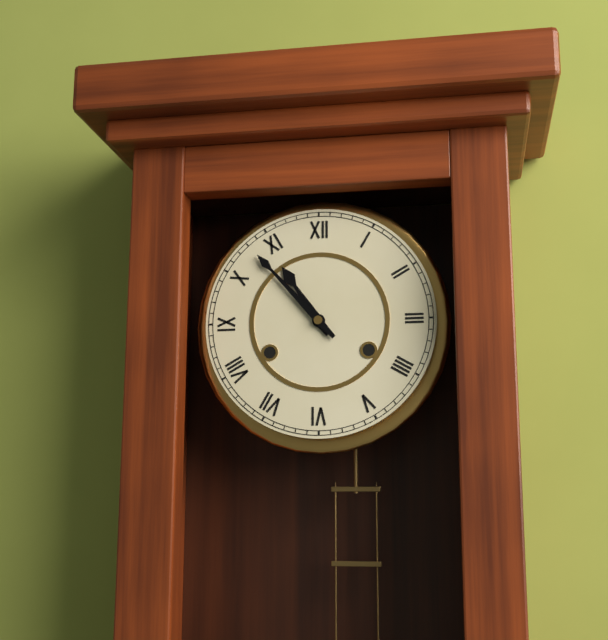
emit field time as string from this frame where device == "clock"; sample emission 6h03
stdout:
10h53
